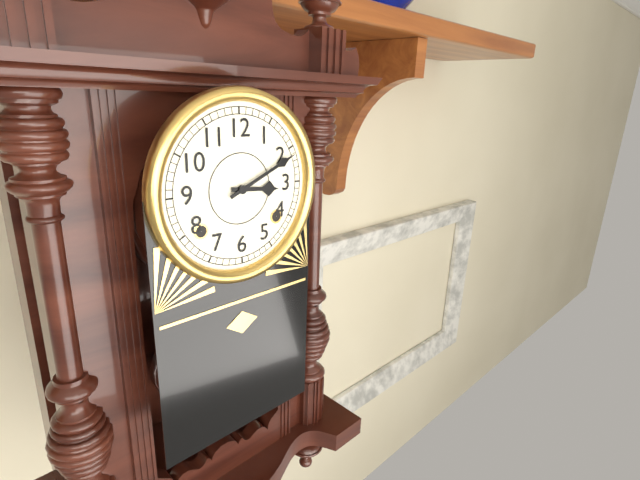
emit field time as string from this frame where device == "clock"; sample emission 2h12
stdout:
3h11
